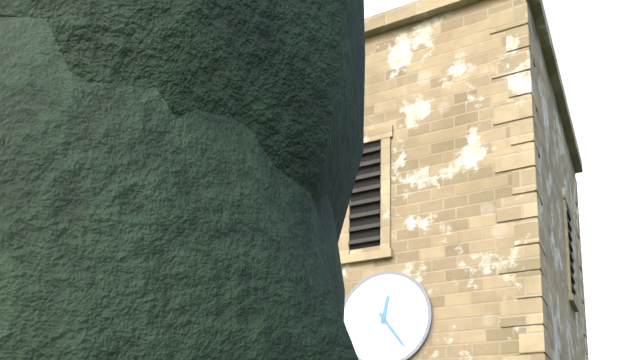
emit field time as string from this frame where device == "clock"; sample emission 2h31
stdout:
12h24
